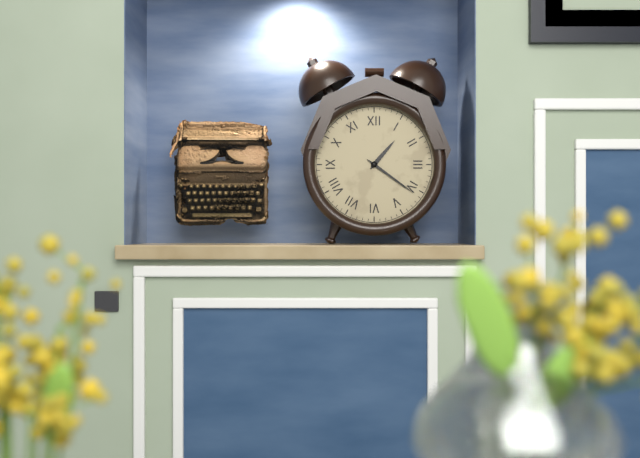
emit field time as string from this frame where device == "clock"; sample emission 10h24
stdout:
1h21
